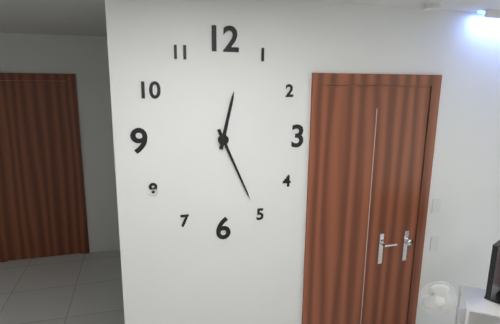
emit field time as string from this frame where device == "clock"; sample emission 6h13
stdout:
12h26
